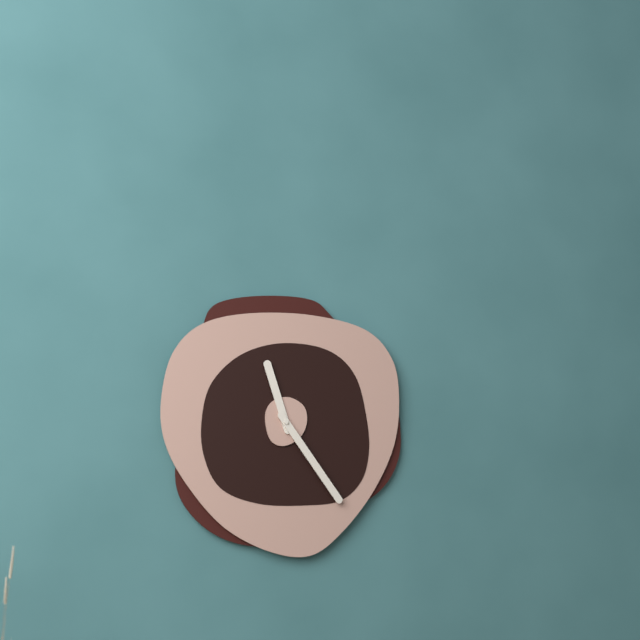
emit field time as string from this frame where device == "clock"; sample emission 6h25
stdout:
11h24
